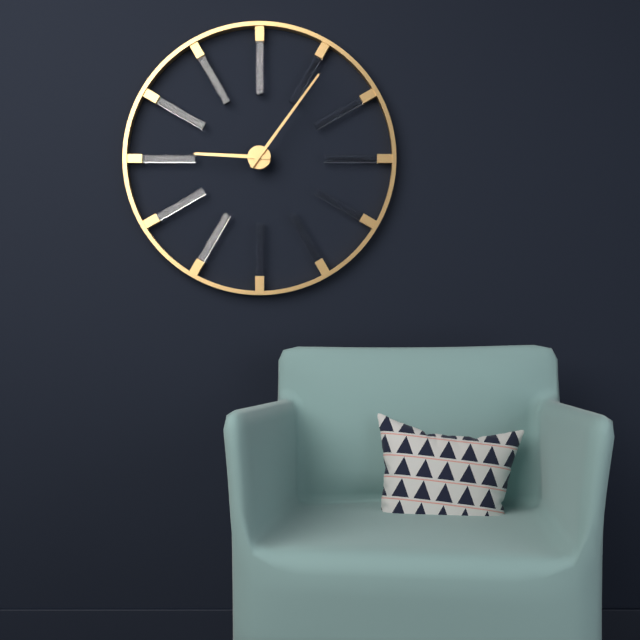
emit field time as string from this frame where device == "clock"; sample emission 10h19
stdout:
9h06
